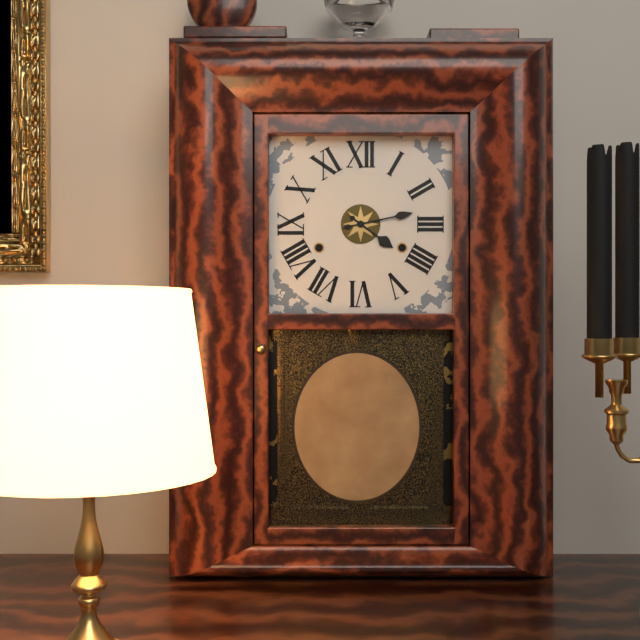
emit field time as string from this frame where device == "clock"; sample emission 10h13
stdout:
4h13
